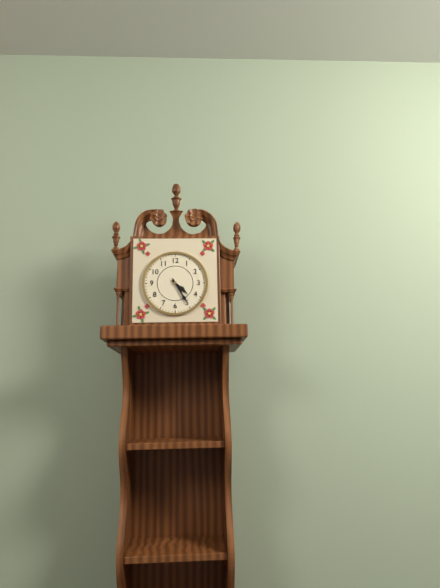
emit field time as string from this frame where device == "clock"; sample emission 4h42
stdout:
4h25
